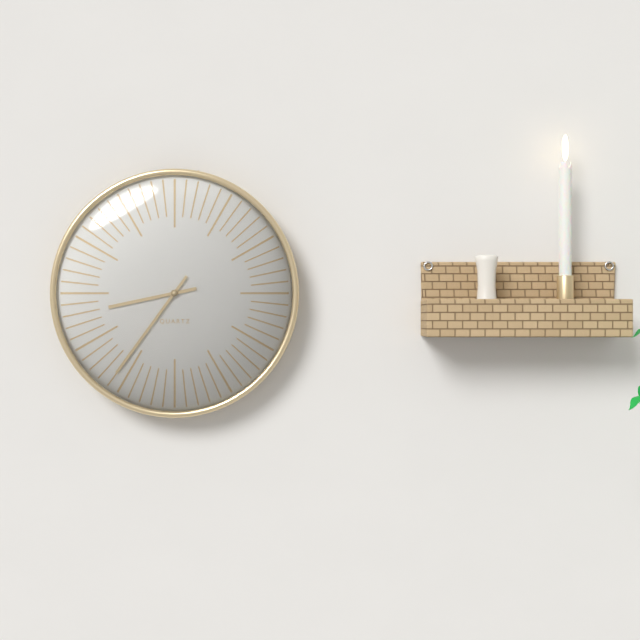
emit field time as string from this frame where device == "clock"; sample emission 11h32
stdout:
8h36
